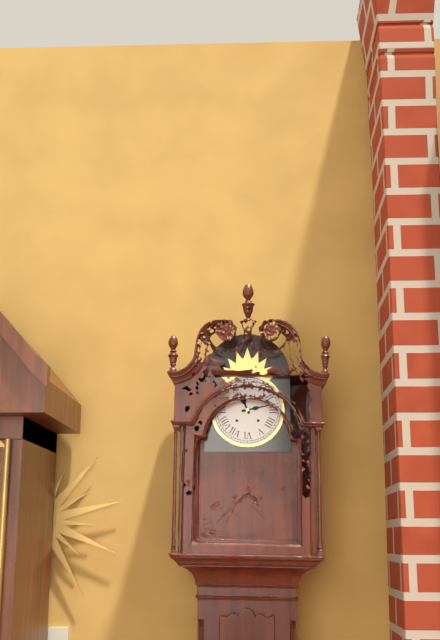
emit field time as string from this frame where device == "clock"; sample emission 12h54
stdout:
11h13
